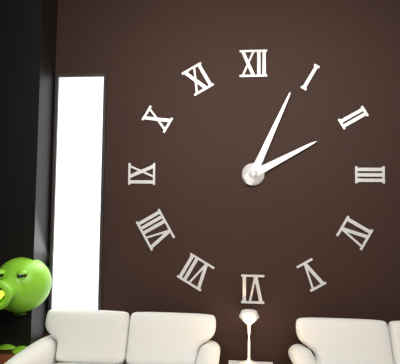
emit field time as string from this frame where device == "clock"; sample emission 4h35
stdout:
2h04
